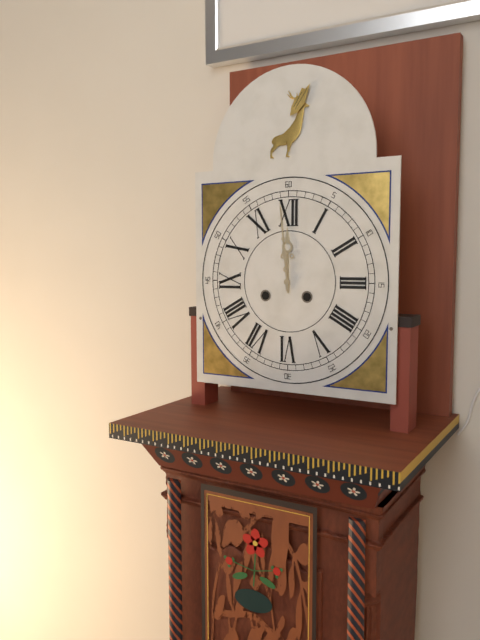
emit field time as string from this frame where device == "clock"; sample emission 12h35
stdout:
11h59
